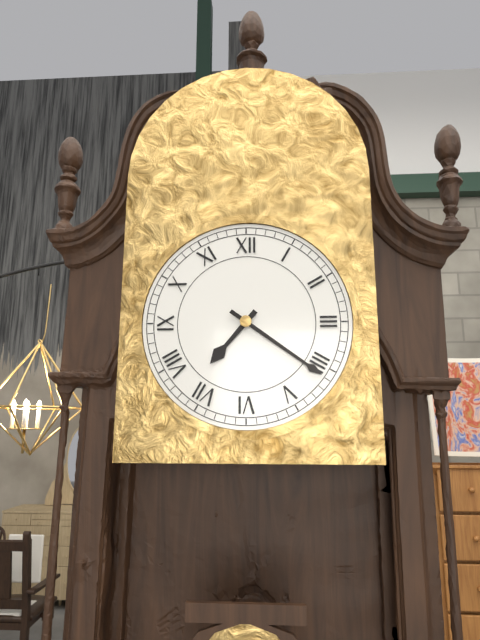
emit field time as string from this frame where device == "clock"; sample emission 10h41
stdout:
7h21
